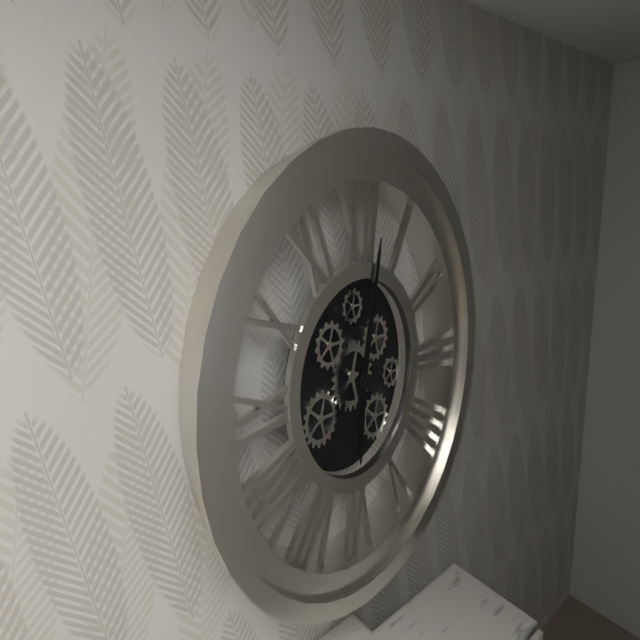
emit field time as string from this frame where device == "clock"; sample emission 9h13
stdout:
6h02
